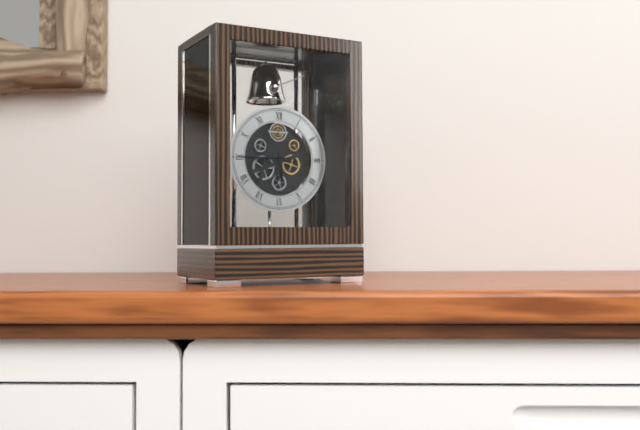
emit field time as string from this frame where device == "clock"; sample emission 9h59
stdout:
5h45
